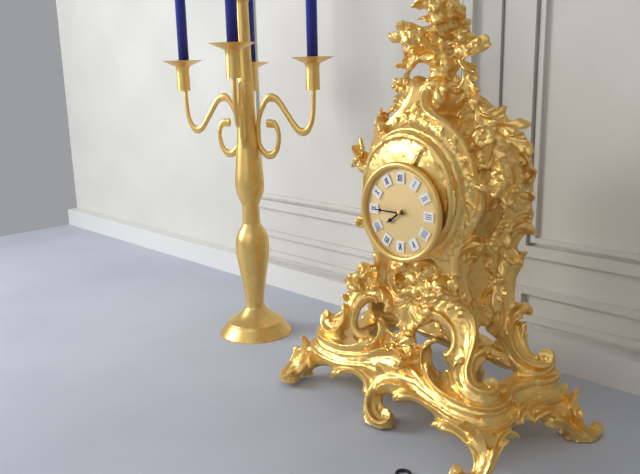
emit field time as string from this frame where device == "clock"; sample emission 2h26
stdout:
7h45
